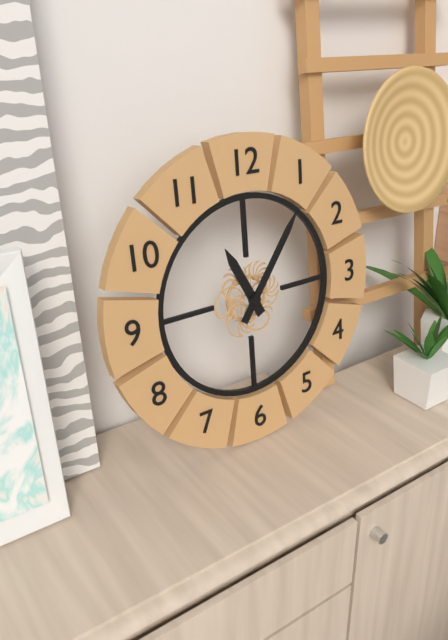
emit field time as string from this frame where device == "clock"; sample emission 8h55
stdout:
11h06
